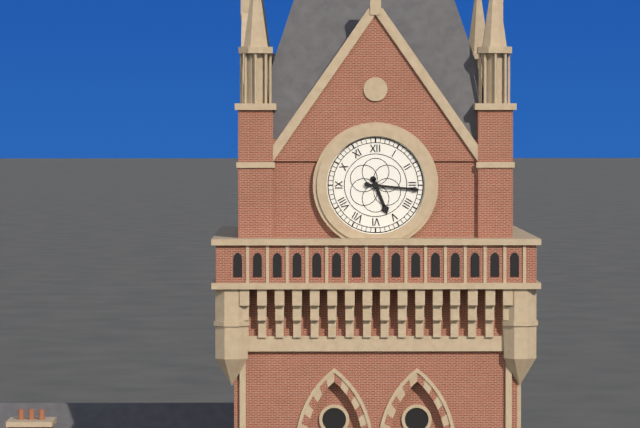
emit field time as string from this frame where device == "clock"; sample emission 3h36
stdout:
5h16
